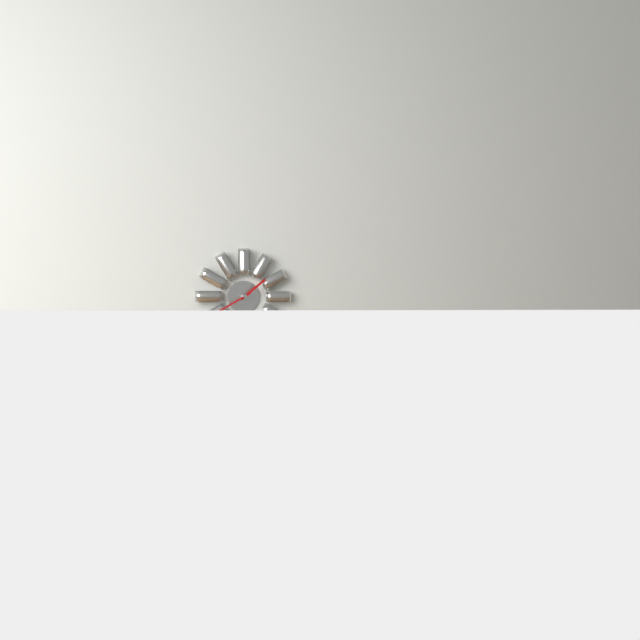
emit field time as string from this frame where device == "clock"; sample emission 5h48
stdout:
1h40
